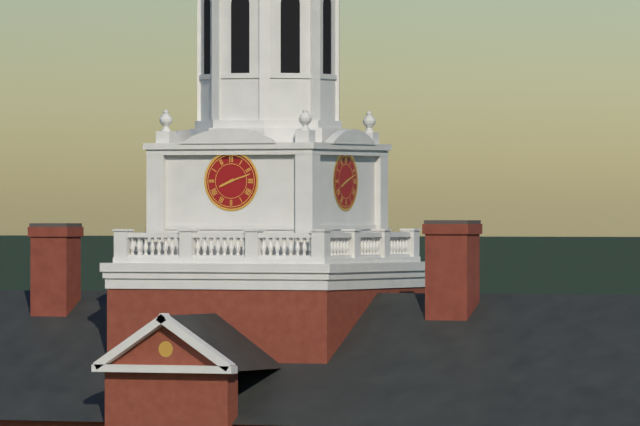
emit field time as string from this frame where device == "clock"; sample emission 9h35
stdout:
8h12
